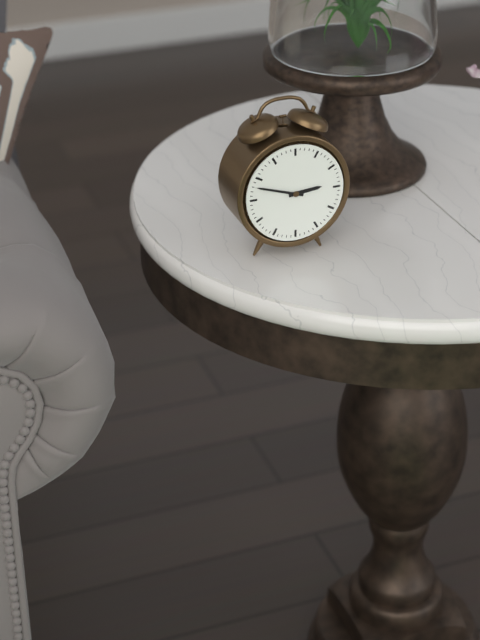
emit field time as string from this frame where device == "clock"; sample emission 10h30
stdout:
2h48
